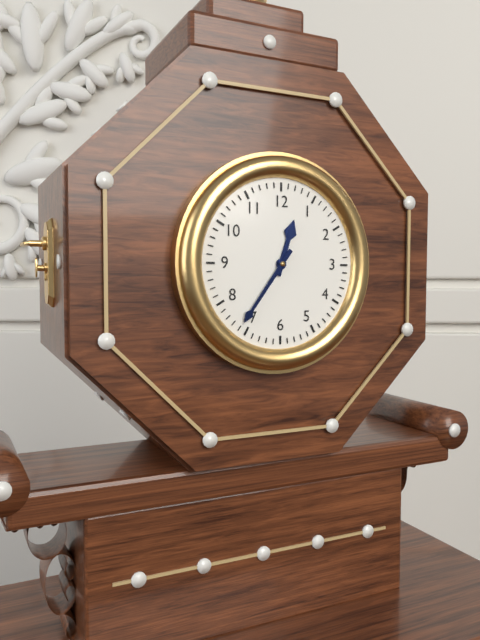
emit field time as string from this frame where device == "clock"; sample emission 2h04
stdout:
12h36
